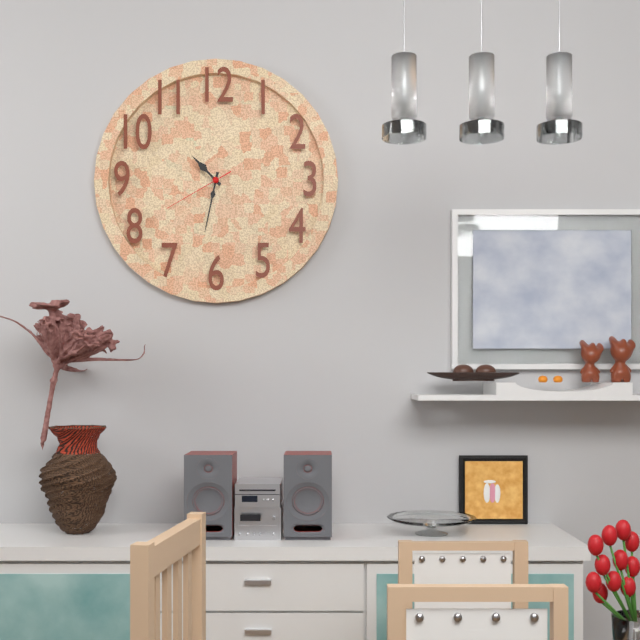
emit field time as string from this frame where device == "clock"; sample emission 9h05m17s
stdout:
10h32m40s
